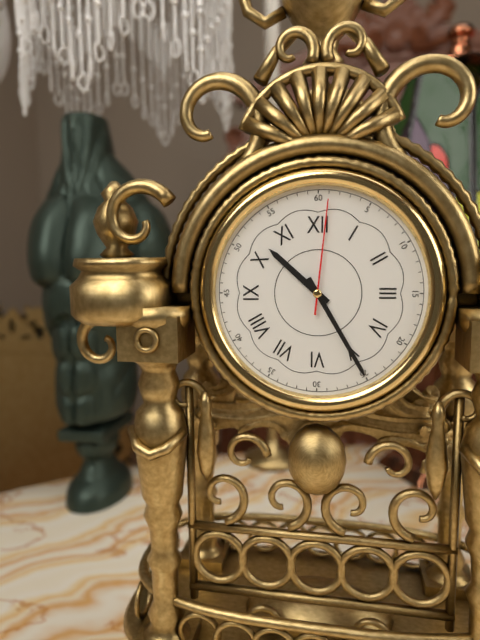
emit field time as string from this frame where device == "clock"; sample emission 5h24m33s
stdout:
10h25m01s
